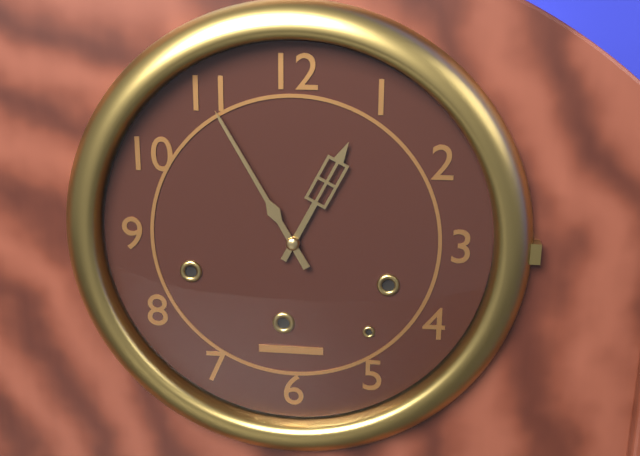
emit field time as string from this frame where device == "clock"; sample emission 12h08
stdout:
12h55
